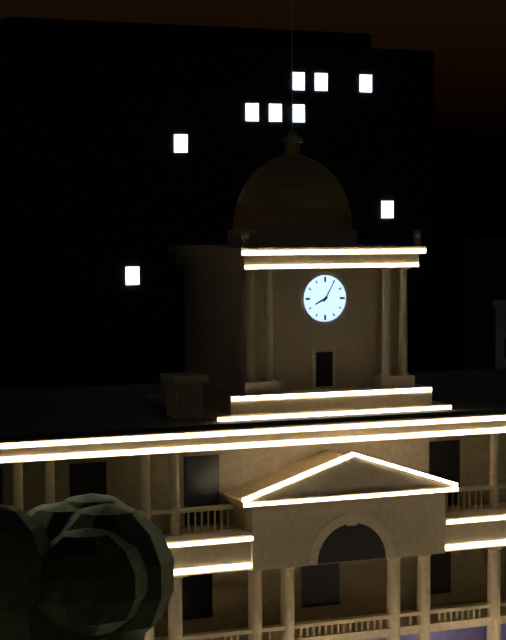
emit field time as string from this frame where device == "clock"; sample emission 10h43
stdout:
8h05
